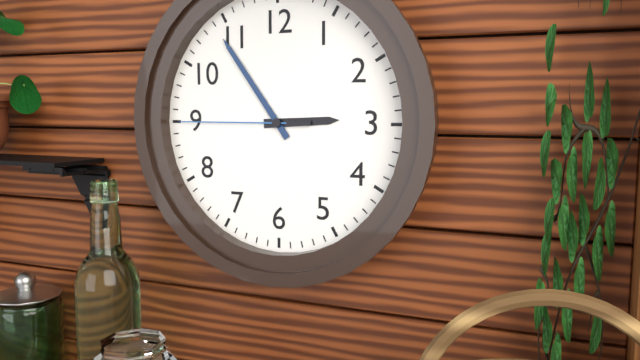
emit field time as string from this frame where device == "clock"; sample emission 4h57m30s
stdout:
2h54m45s
